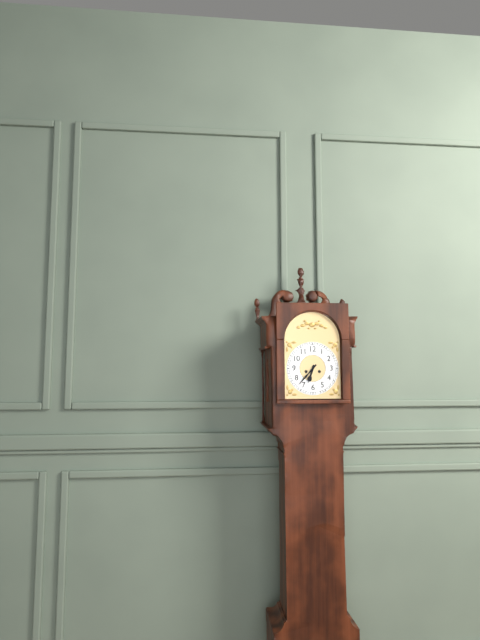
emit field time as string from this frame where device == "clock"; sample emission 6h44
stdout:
6h37
